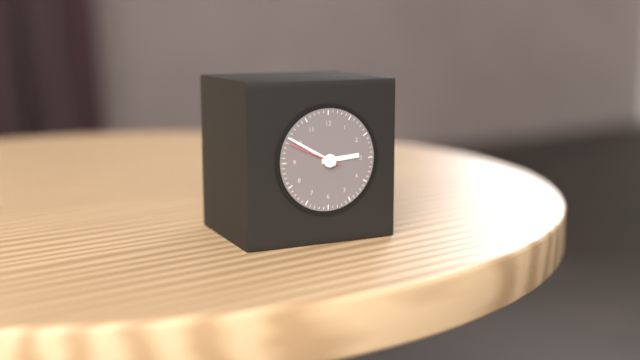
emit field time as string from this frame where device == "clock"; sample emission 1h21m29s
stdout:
2h50m49s
